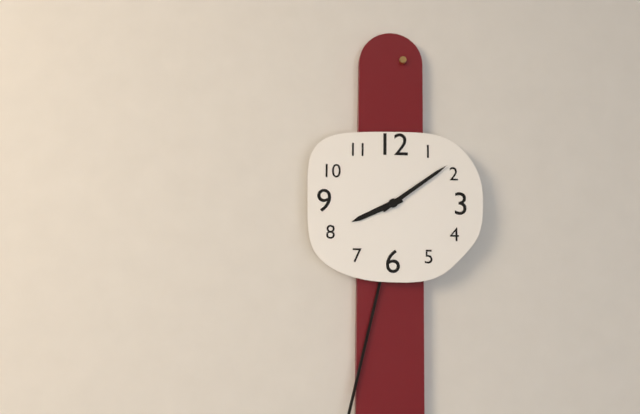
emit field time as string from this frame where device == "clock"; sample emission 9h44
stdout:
8h09
